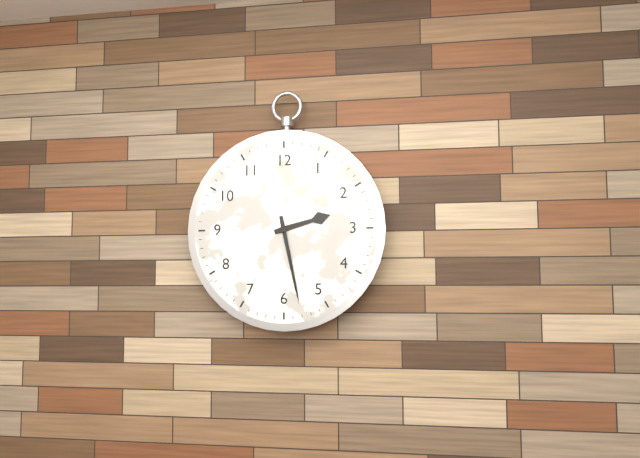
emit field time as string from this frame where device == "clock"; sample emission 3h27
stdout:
2h28
